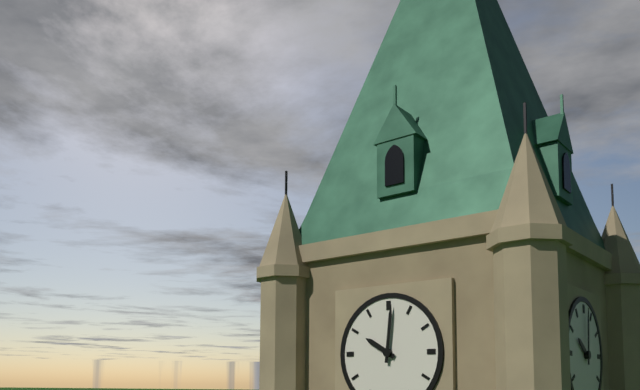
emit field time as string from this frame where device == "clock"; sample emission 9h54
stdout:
10h01
